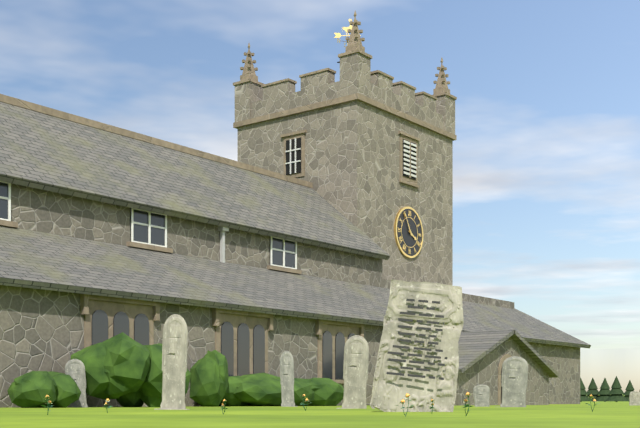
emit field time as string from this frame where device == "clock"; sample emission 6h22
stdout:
3h55
